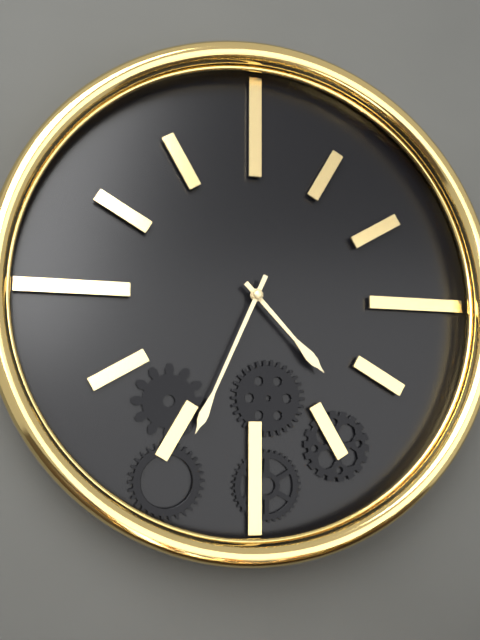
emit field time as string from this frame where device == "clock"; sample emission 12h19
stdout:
4h34
